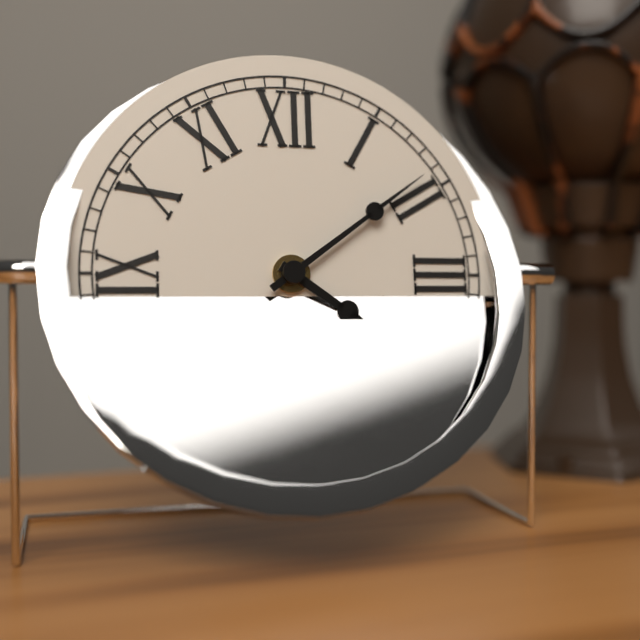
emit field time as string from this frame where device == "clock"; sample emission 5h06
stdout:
4h09
